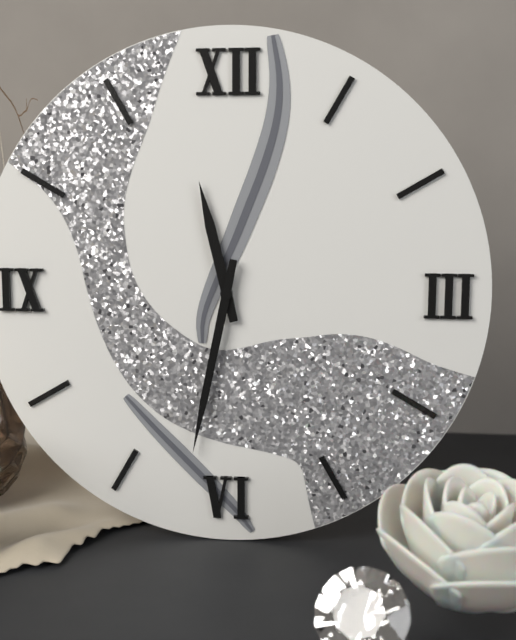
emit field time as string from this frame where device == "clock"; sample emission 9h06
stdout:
11h32
